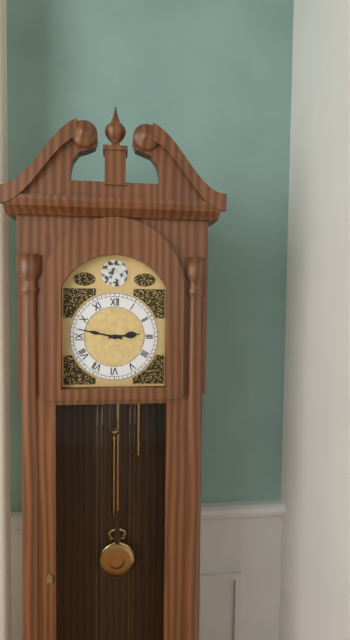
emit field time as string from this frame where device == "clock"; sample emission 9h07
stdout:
2h47
